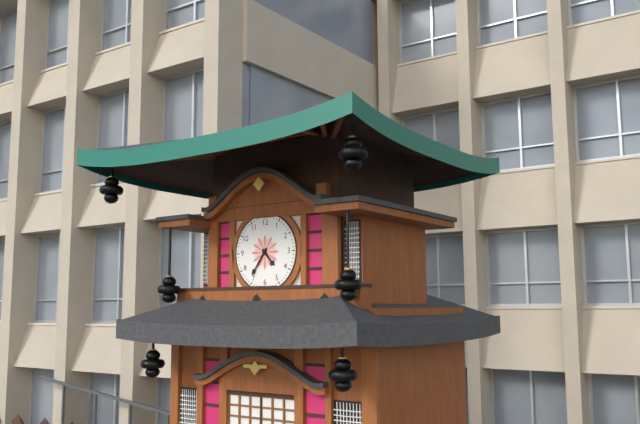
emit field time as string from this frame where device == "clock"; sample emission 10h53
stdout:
4h36
